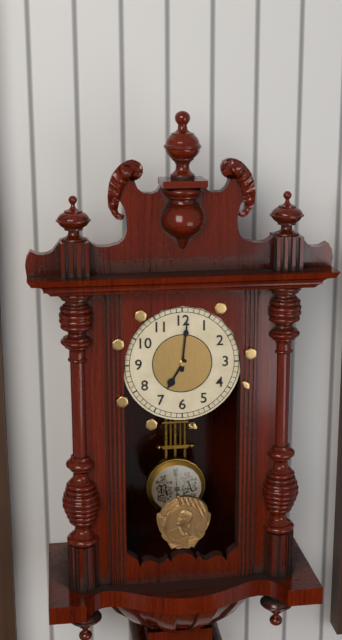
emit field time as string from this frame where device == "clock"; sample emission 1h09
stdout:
7h01
